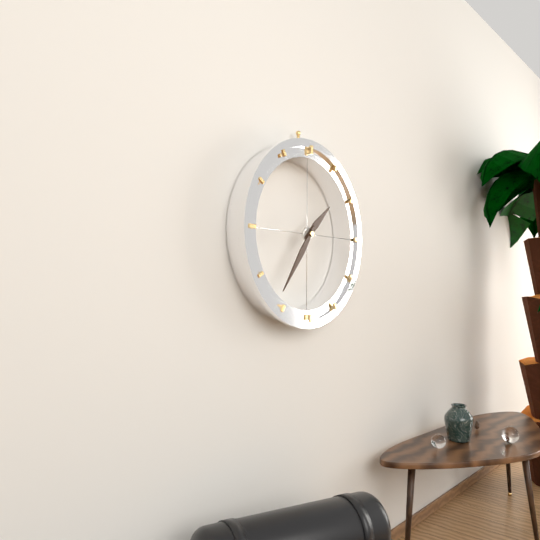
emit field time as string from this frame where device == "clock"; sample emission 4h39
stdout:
1h36
